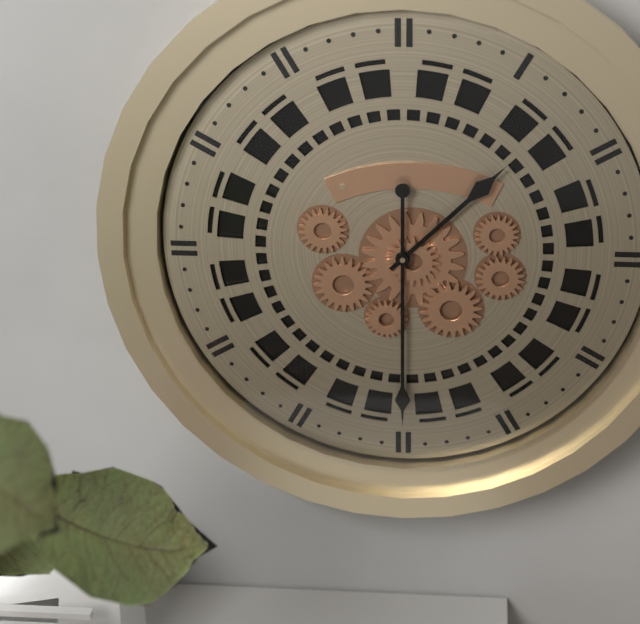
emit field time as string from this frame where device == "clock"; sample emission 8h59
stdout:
1h30
